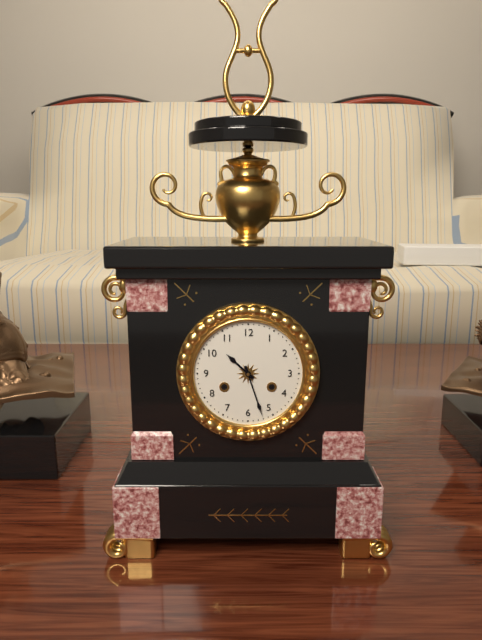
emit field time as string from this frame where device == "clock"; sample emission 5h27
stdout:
10h27
